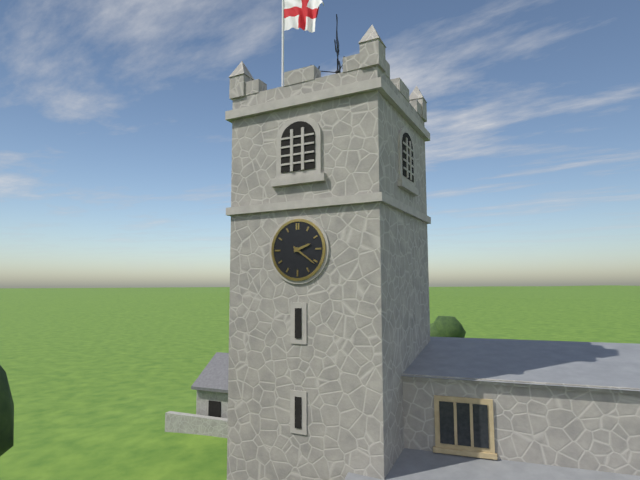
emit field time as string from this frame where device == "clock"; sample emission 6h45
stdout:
2h21
